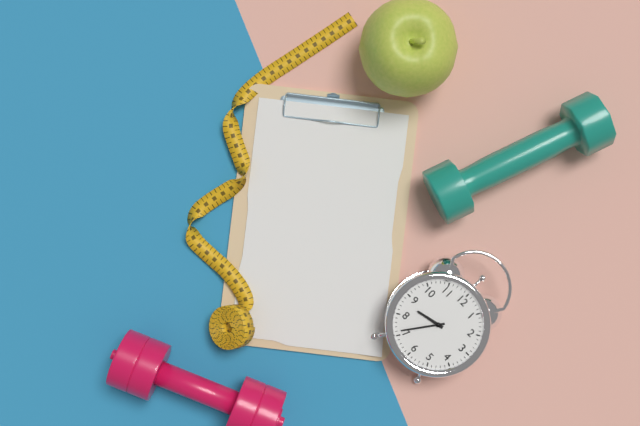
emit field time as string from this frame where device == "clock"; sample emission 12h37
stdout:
8h36
